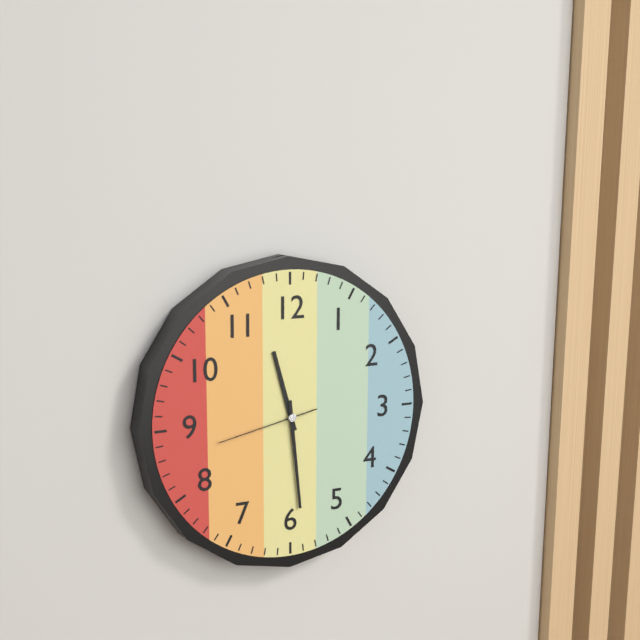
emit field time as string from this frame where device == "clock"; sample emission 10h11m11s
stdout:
11h29m43s
